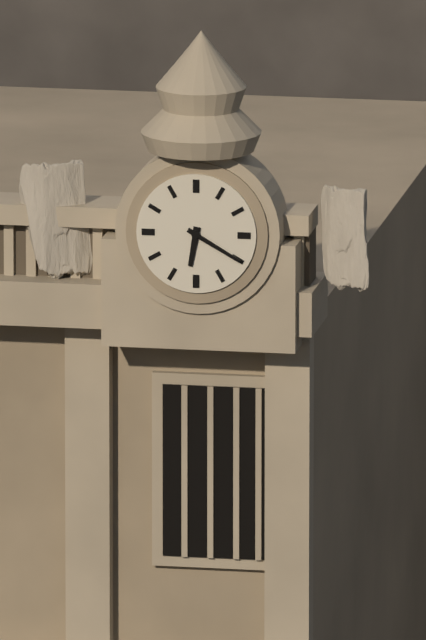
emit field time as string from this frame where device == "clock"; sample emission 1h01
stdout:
6h20
